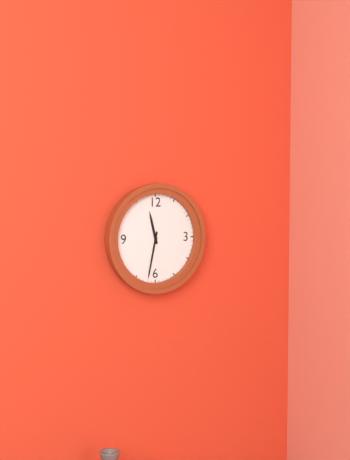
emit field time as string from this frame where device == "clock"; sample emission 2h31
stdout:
11h32
